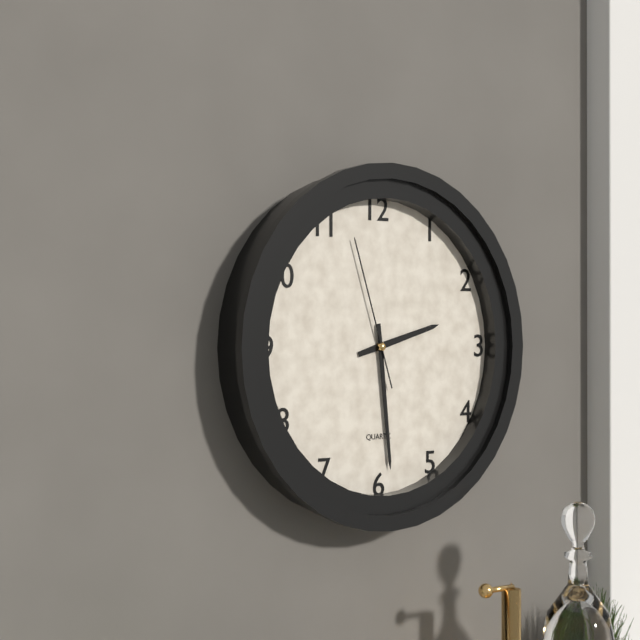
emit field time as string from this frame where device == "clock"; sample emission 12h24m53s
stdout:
2h29m57s
